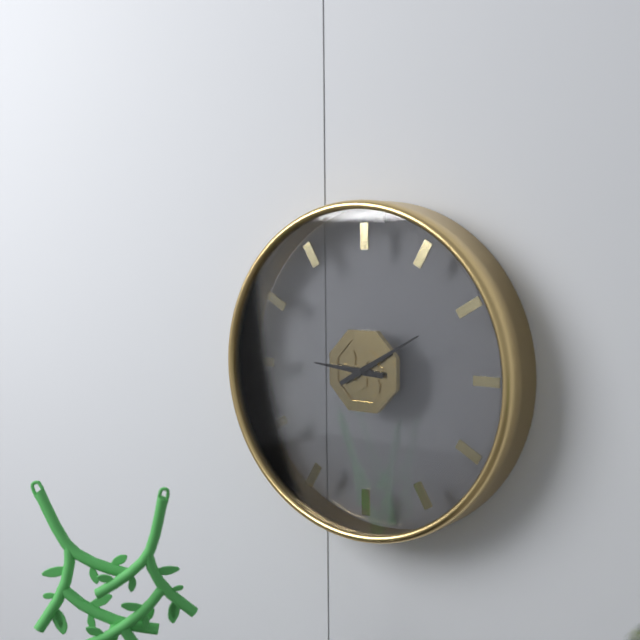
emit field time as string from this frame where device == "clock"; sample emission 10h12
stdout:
9h10
